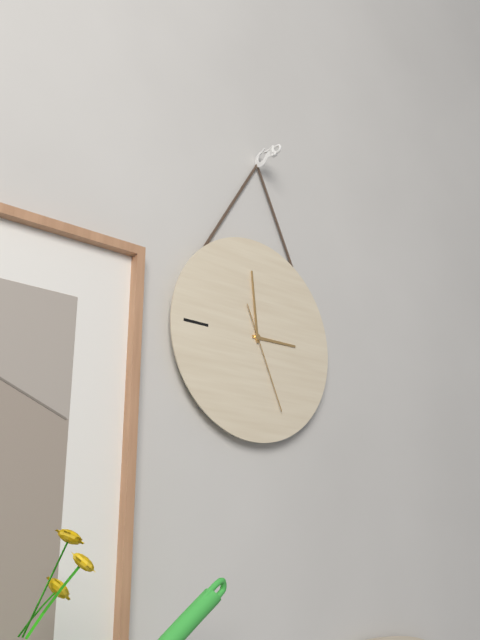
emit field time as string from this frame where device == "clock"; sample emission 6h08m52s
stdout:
2h59m26s
